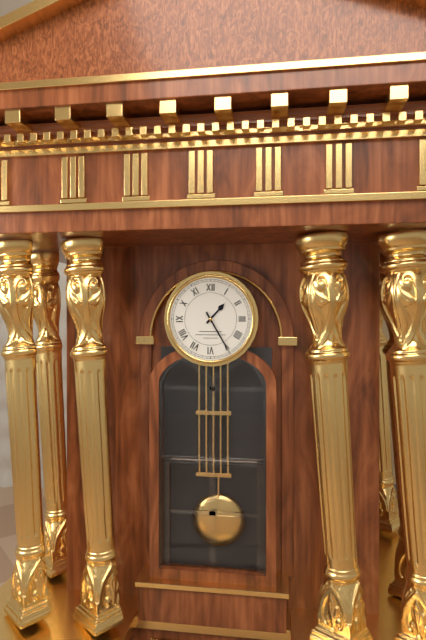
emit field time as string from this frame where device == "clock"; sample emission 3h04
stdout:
1h25
